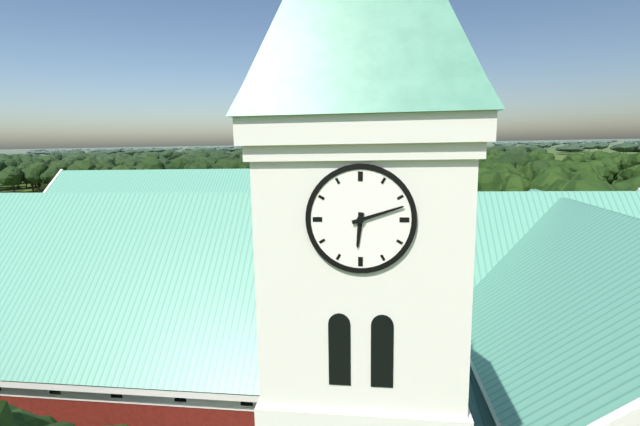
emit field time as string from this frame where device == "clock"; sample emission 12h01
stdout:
6h12
